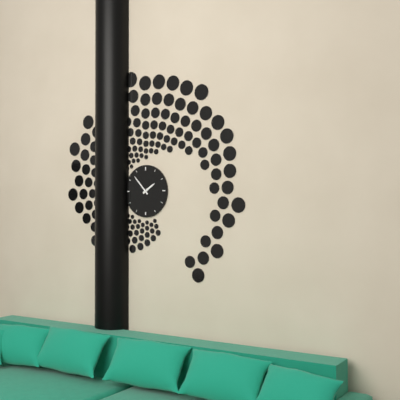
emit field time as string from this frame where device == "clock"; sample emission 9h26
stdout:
1h53
